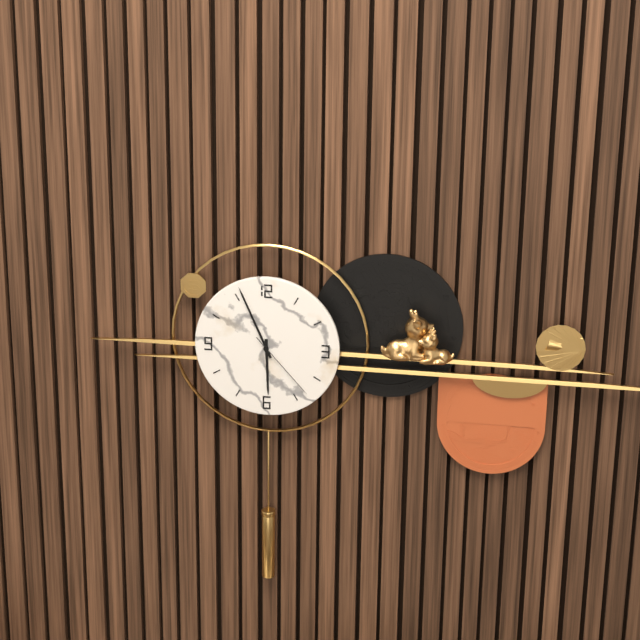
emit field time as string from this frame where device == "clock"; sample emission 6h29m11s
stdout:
5h56m23s
